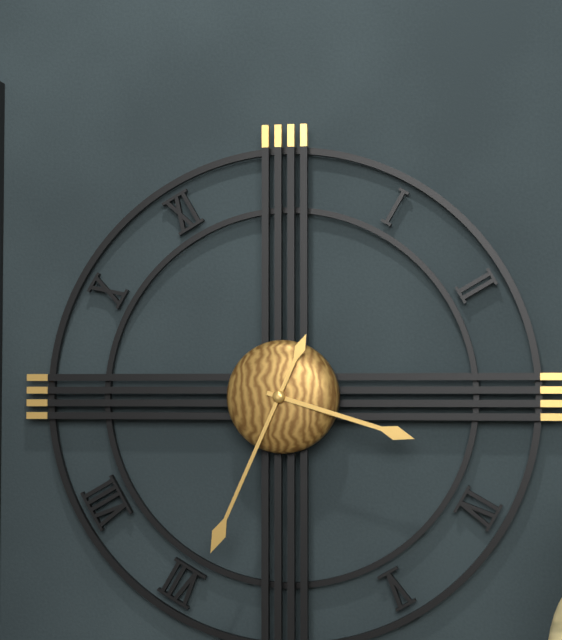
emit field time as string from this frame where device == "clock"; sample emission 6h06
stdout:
3h34
